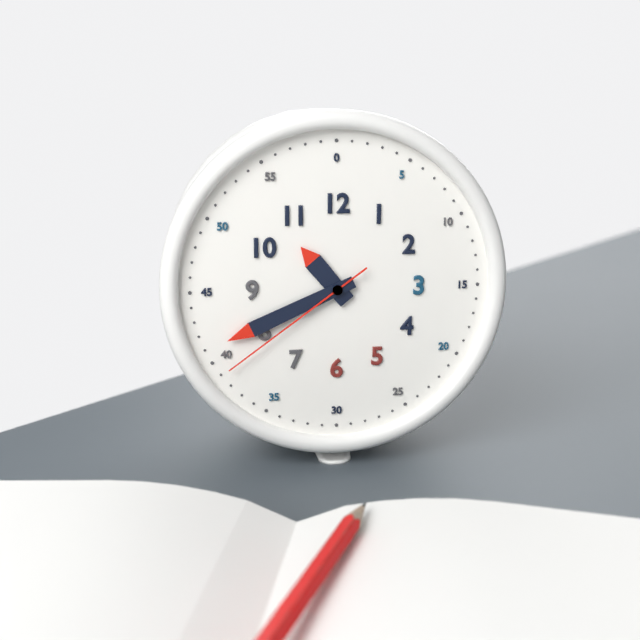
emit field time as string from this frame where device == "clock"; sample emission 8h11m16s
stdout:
10h41m39s
